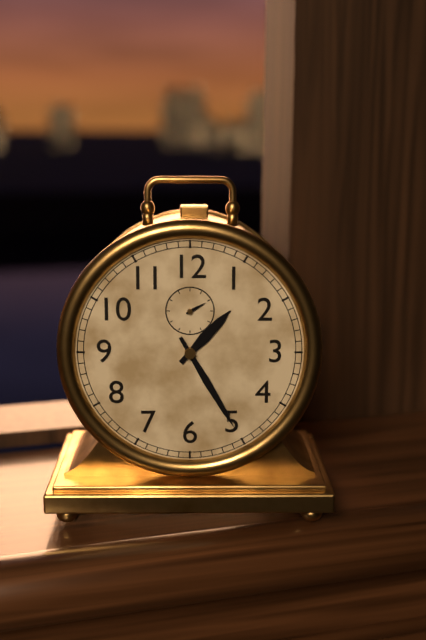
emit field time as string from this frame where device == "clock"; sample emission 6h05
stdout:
1h25
